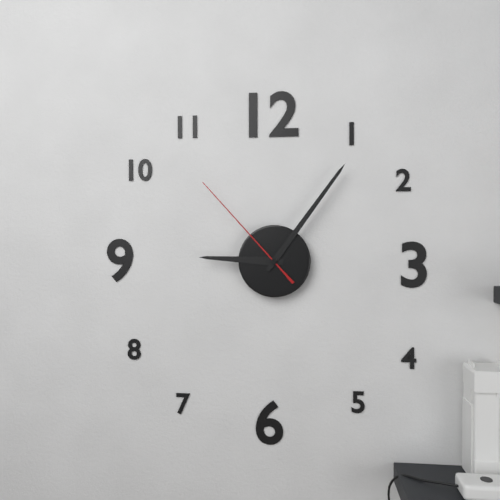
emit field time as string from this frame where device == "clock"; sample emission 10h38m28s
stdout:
9h06m53s
